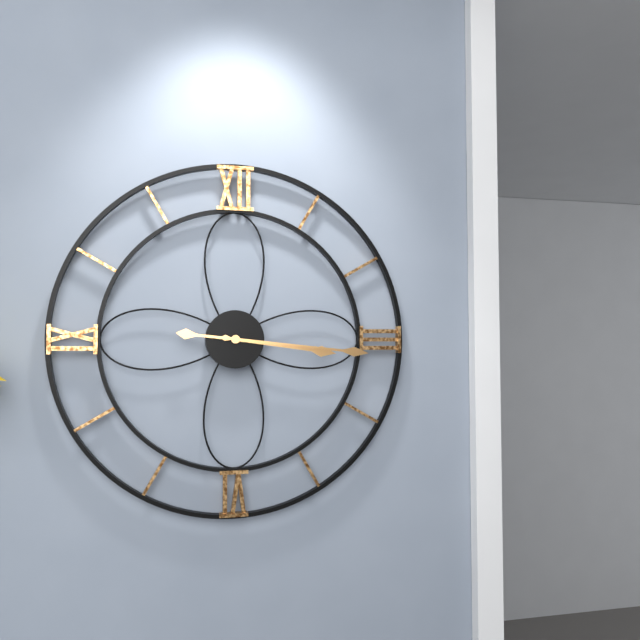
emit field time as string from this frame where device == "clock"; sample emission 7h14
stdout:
3h16
